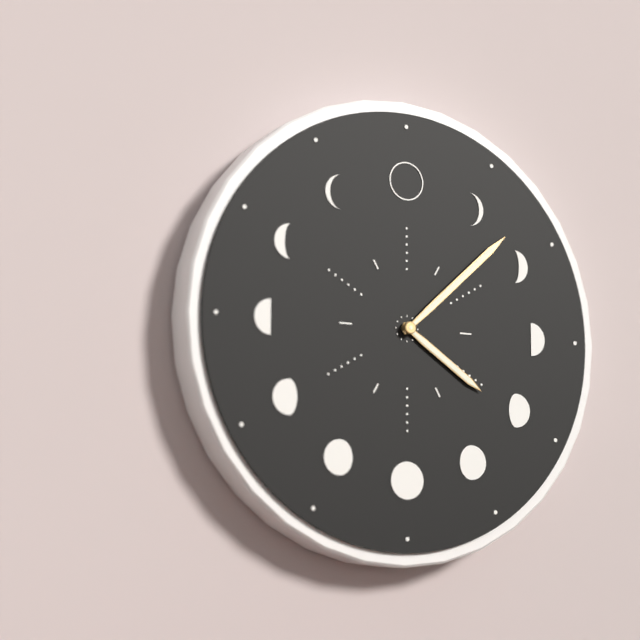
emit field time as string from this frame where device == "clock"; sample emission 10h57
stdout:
4h08
